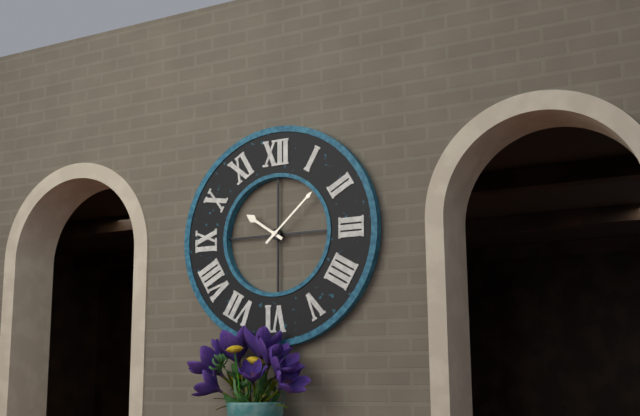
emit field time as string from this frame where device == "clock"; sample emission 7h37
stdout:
10h08
